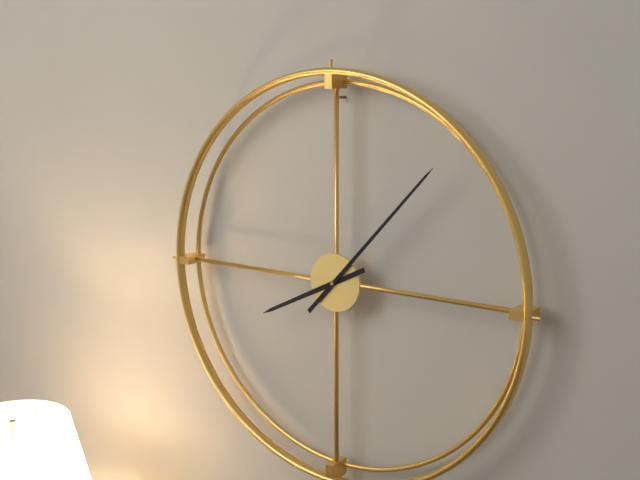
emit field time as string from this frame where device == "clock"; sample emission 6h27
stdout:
8h07
